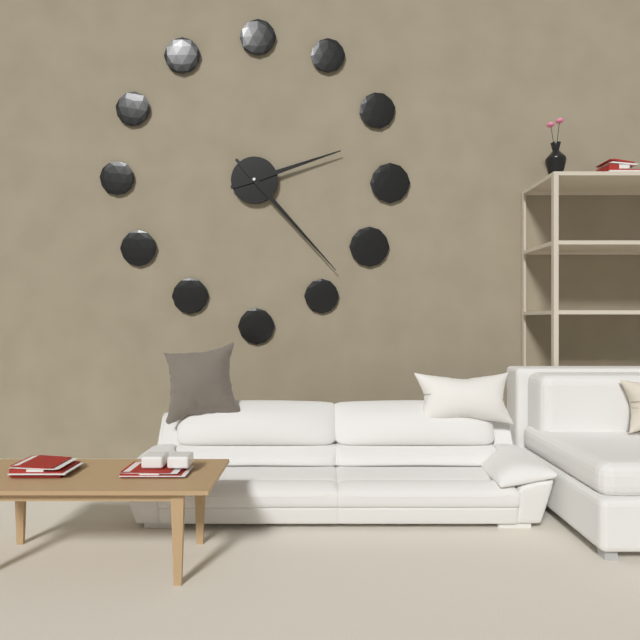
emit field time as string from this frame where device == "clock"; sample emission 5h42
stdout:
2h23
